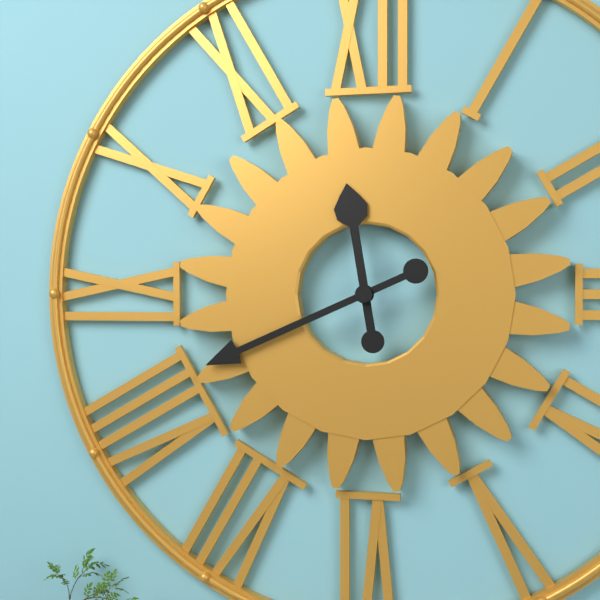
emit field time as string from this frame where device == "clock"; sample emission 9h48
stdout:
11h41
